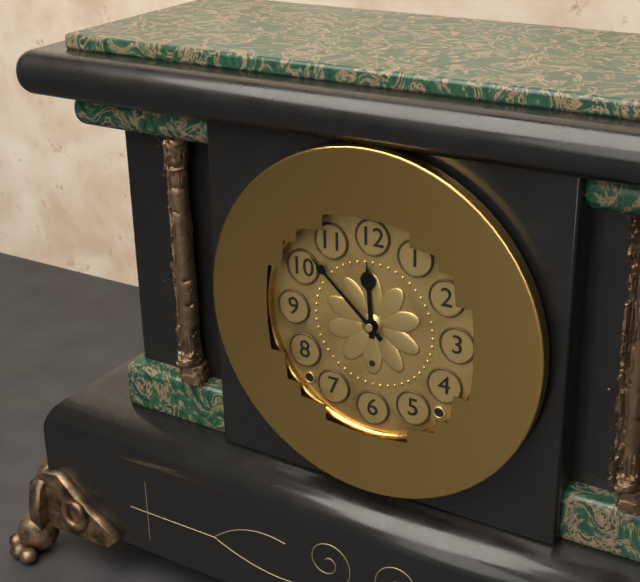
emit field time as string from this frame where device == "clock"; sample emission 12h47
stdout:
11h52
